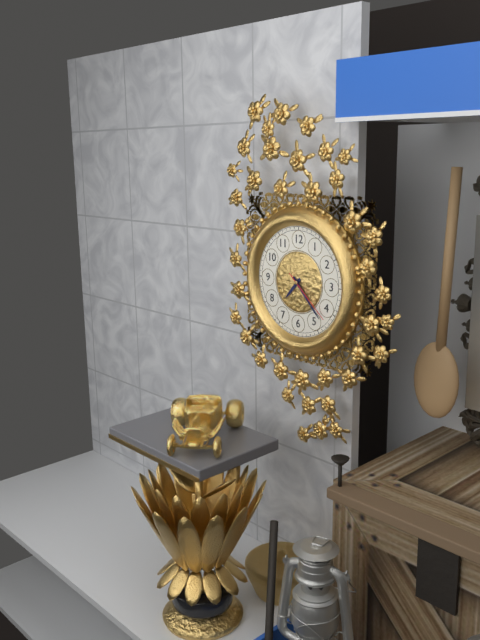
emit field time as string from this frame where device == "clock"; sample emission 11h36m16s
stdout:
7h23m22s
